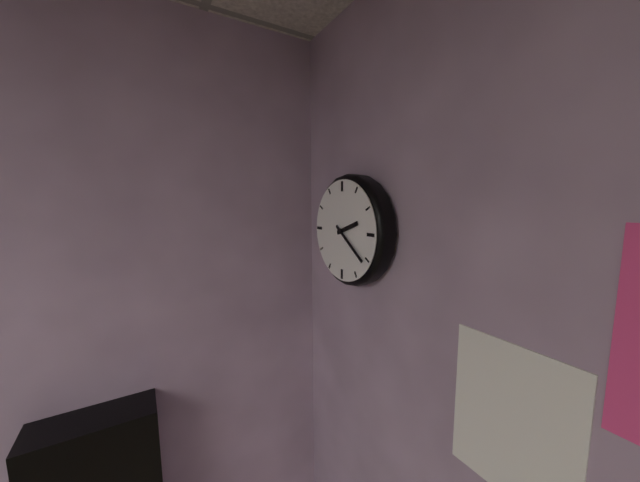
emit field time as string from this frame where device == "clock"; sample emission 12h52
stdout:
2h21
